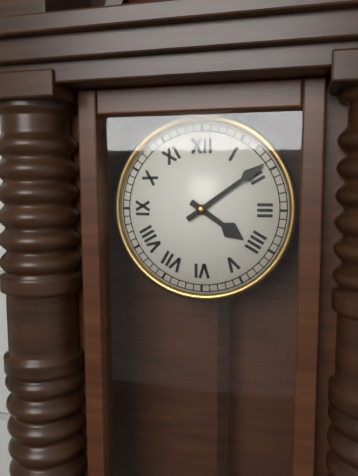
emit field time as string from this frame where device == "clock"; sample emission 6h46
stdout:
4h09
